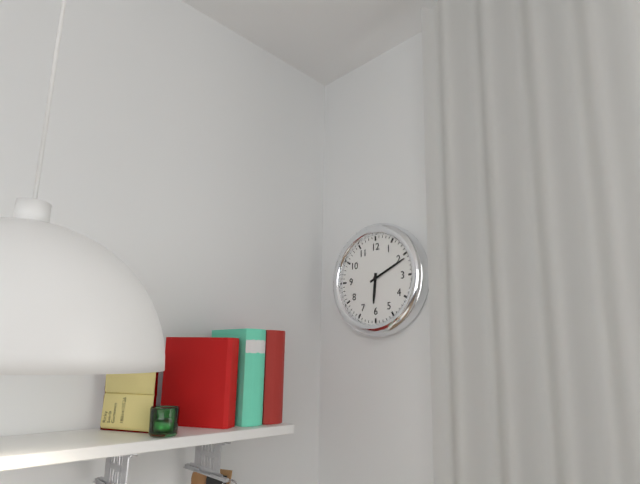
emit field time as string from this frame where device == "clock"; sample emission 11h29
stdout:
6h11
